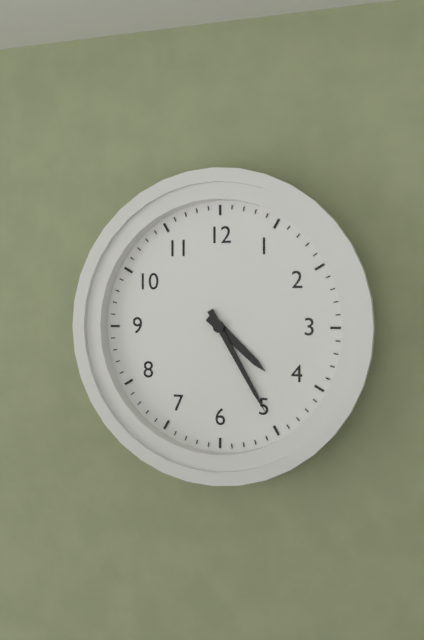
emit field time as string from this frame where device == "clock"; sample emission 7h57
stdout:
4h25
